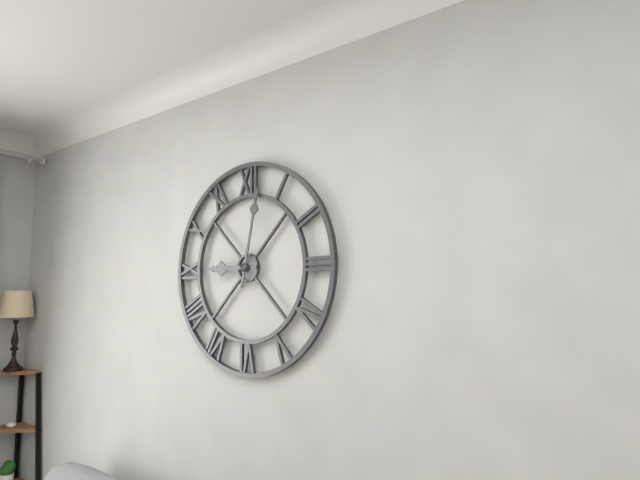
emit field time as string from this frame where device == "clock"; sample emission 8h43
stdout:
9h02
